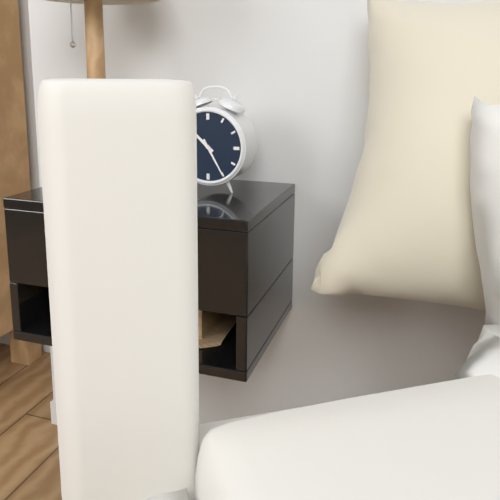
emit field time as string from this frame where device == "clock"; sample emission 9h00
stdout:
10h25
